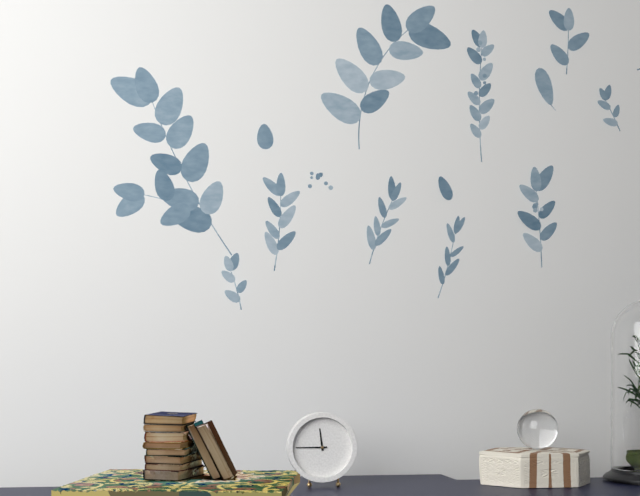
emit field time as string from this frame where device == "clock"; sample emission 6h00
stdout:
11h45
